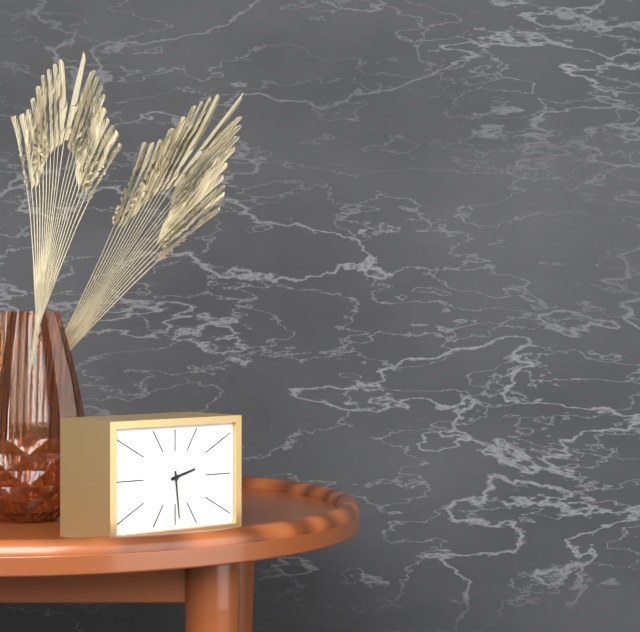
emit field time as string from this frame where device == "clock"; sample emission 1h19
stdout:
2h29
